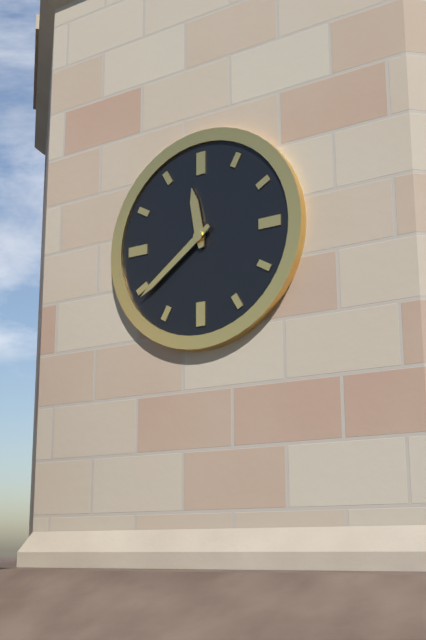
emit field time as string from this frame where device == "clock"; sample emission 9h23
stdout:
11h39
